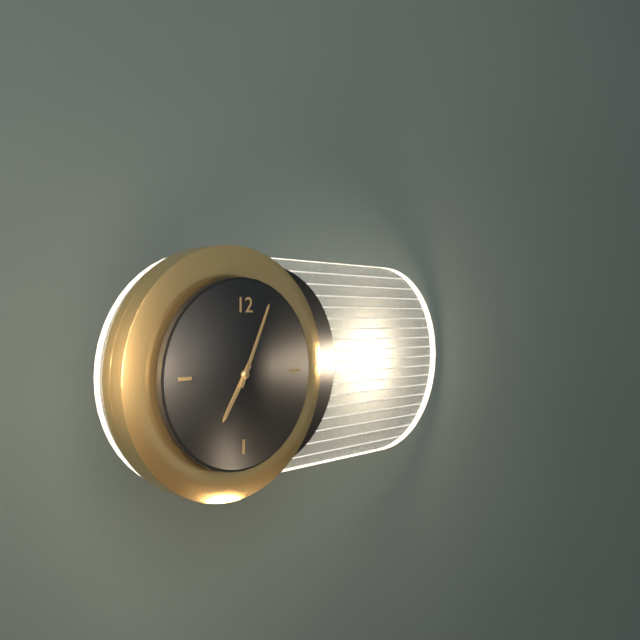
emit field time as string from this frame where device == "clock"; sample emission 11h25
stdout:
7h04
